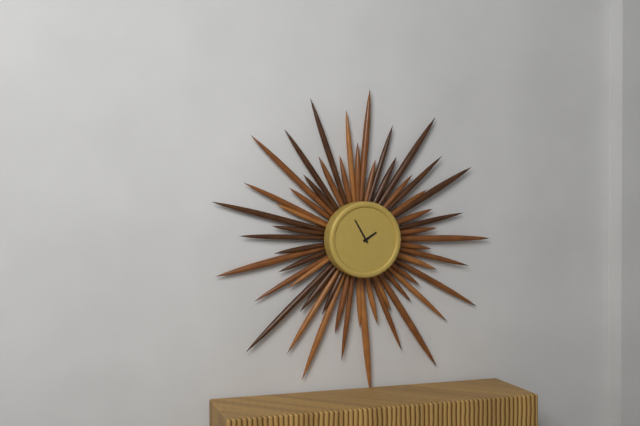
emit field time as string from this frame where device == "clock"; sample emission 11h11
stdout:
1h55
